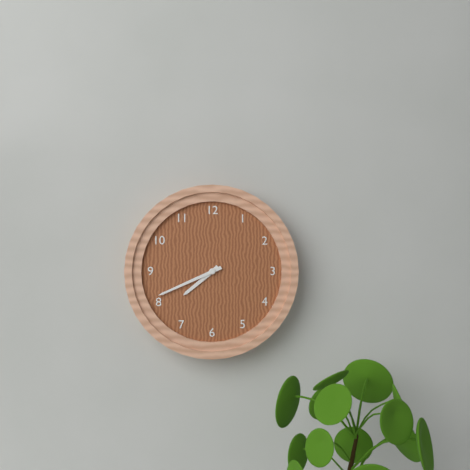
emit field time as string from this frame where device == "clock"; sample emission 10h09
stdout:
7h41
